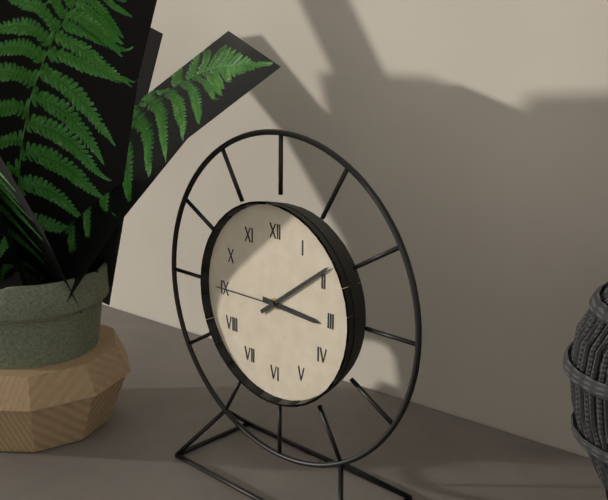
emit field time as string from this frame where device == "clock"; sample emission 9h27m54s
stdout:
3h09m45s
